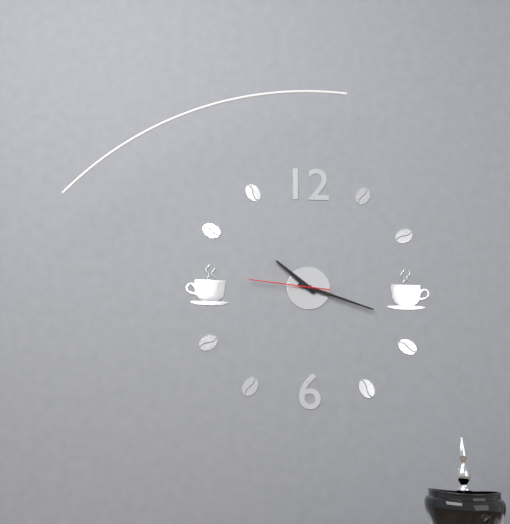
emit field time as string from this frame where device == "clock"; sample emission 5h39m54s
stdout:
10h18m46s
